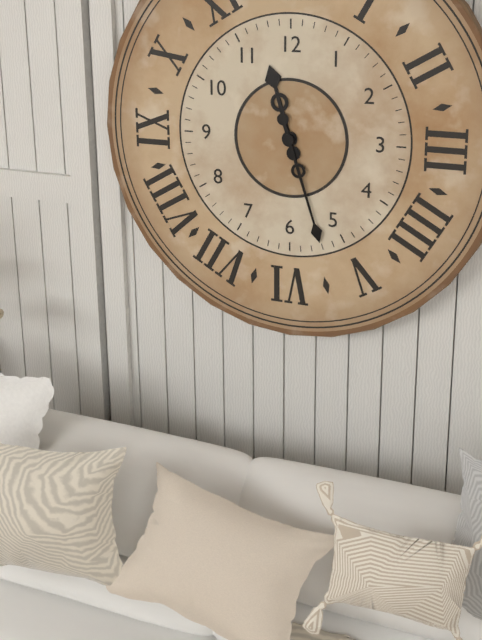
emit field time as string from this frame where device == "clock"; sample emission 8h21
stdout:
11h27
